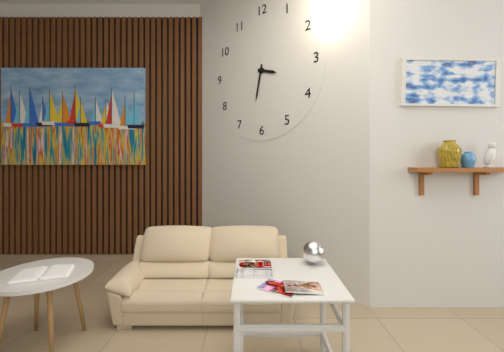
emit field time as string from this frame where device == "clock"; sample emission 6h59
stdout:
3h32
